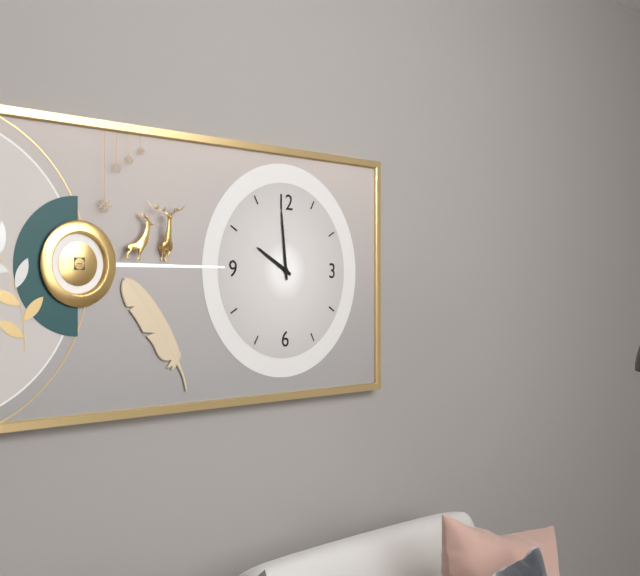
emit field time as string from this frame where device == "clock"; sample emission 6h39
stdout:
9h59
